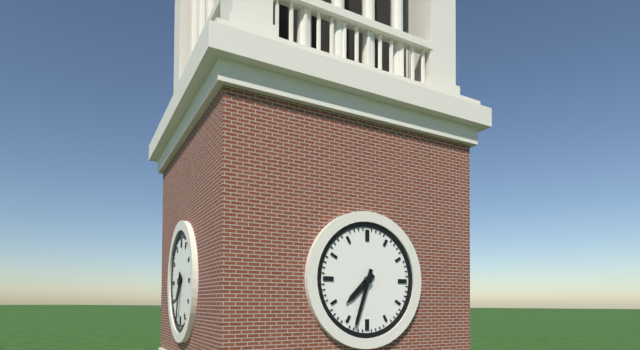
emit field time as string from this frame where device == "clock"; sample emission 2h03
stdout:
7h33
